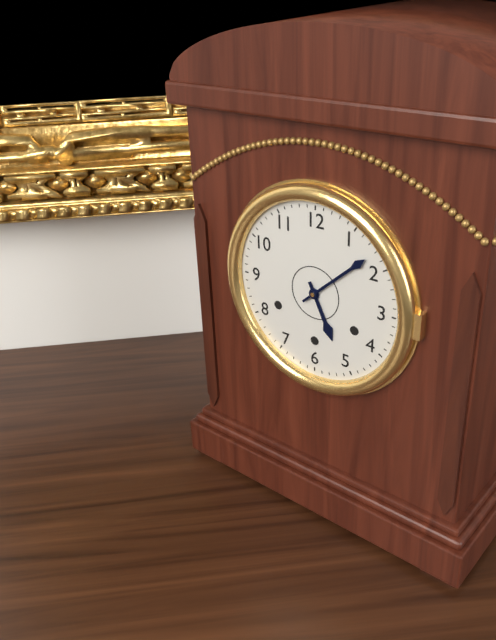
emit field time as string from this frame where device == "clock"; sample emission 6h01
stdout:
5h08
